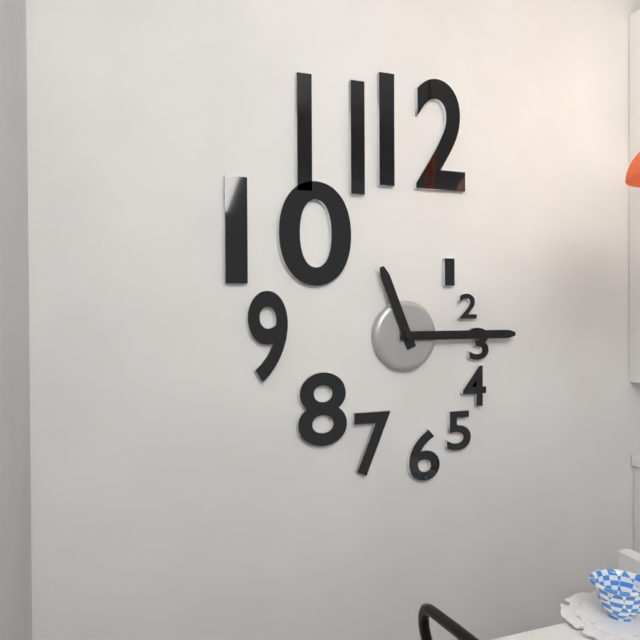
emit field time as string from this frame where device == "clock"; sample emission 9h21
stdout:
11h15
